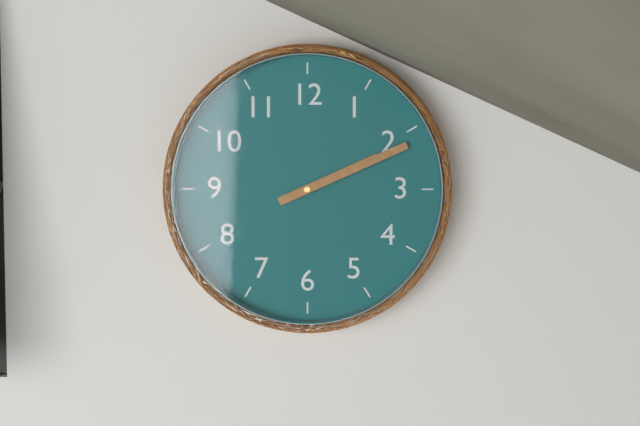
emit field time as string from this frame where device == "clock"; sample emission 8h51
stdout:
2h11
